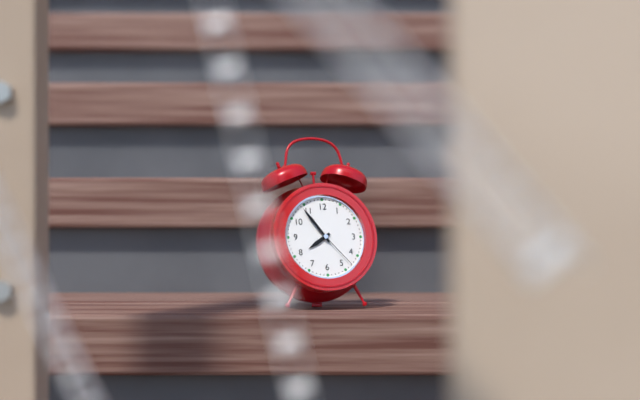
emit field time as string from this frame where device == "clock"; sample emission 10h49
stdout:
7h54
